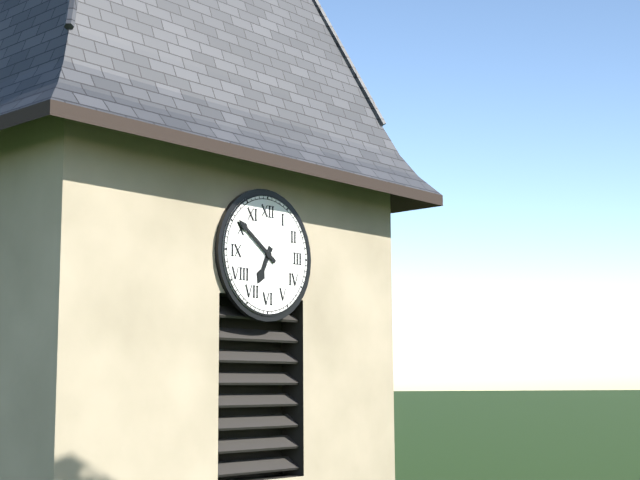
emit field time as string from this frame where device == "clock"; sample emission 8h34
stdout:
6h51
